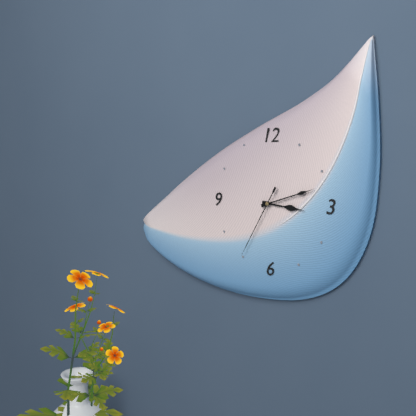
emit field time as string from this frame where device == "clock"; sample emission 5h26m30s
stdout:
3h12m35s
